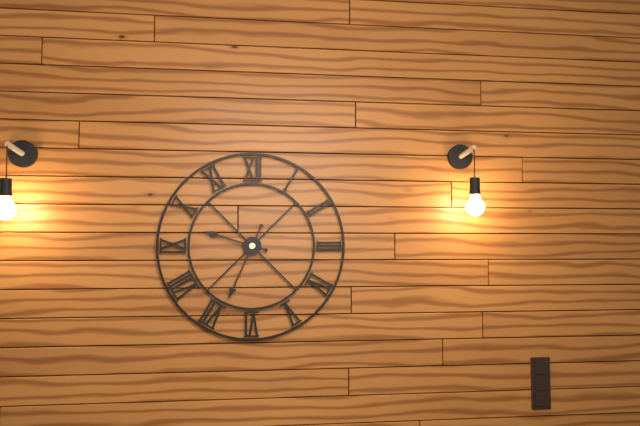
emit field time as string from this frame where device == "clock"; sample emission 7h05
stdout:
9h34
